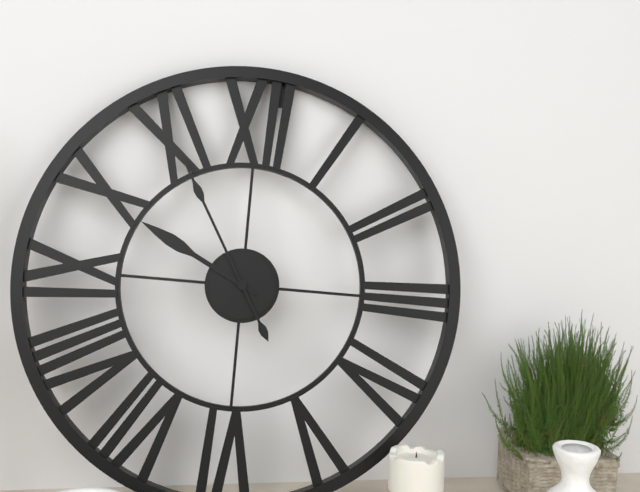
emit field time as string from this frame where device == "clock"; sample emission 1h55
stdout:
9h55
